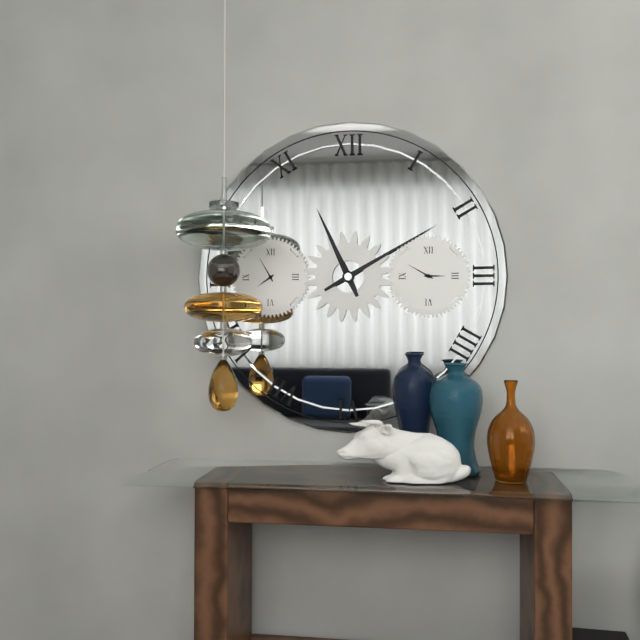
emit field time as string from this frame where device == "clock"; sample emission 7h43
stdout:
11h10
